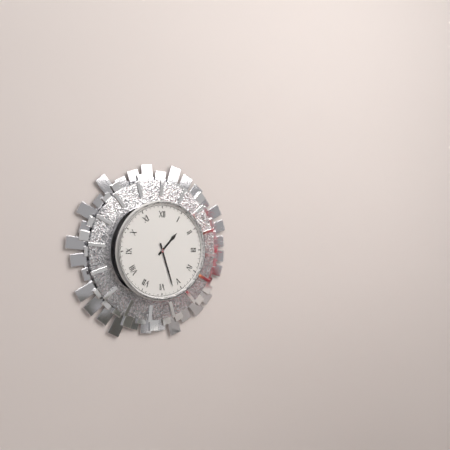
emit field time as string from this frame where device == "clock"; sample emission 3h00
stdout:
1h27
